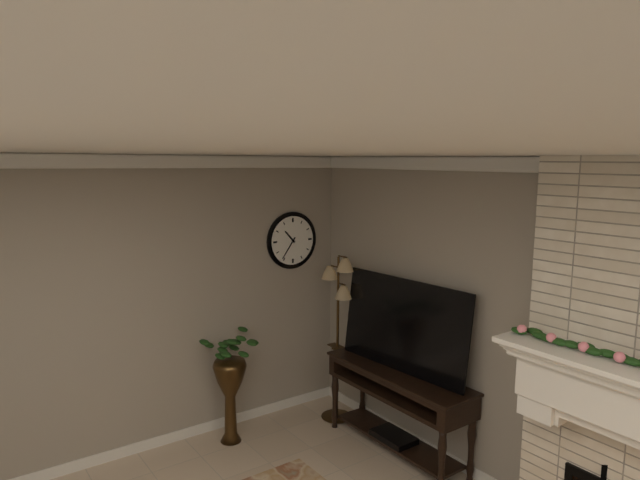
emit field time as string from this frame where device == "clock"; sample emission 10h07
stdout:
10h36
